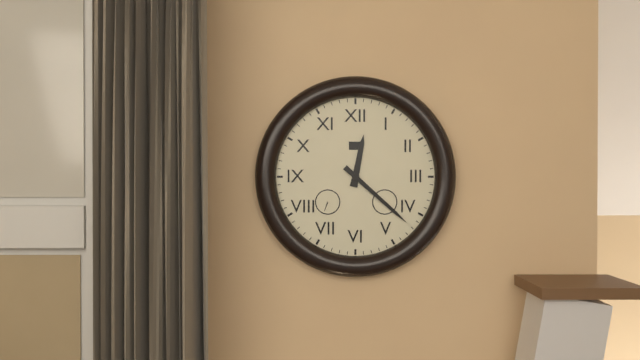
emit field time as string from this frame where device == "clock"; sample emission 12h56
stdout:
12h22
